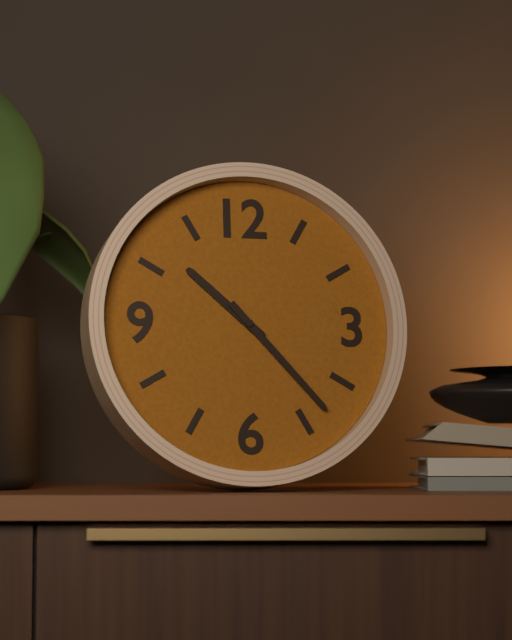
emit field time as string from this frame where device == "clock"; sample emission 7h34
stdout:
10h23
